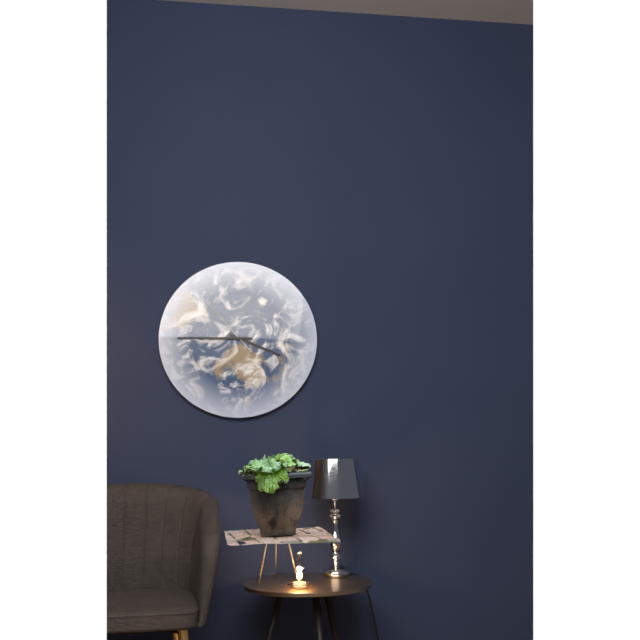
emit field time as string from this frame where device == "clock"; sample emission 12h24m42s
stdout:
3h45m53s
